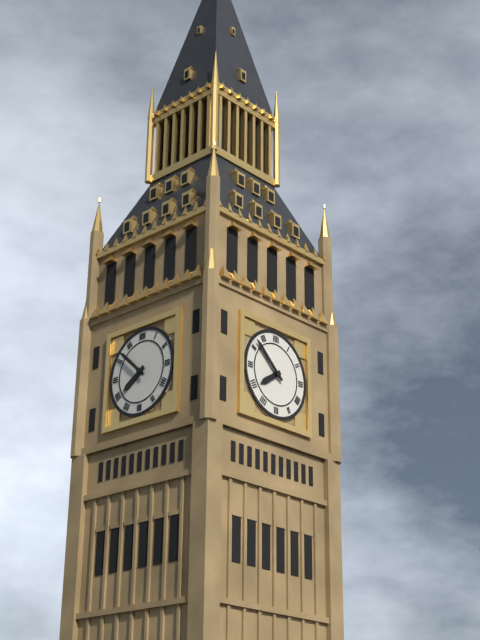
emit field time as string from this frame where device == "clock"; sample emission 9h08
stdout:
7h52
